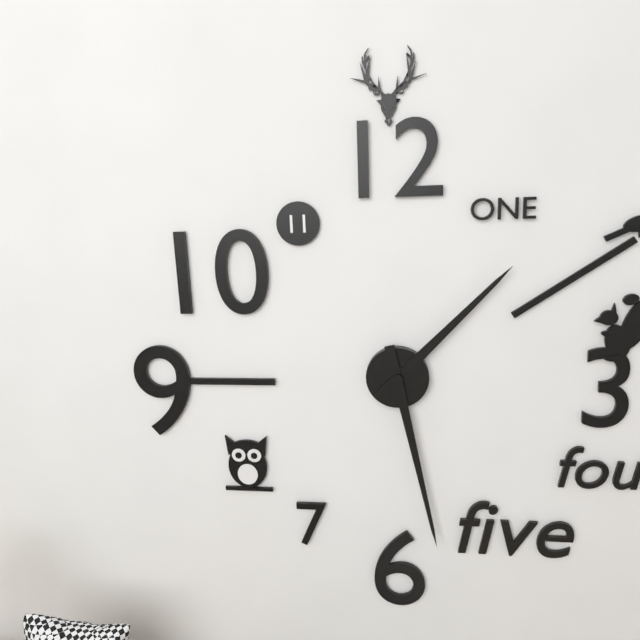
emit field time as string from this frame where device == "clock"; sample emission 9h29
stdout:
1h28
